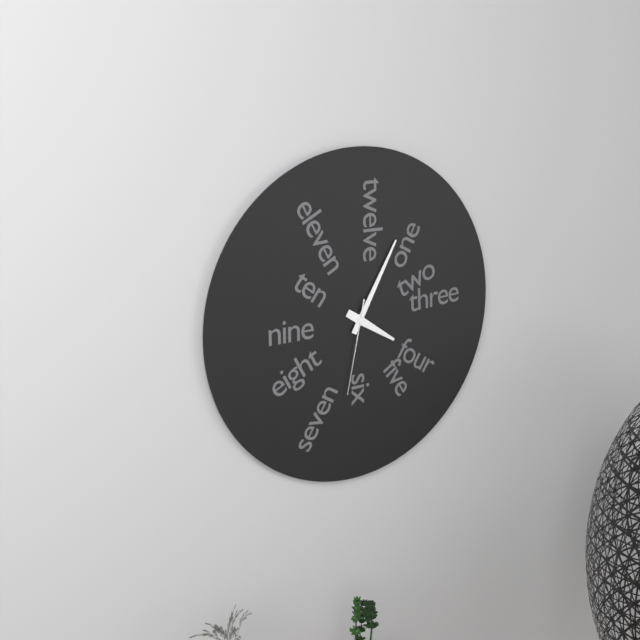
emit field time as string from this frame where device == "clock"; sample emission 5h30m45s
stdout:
4h05m32s
